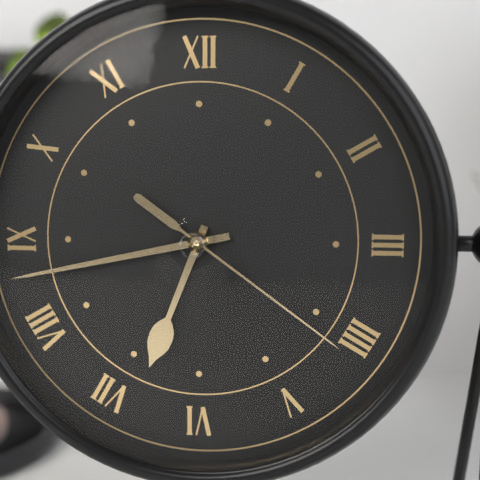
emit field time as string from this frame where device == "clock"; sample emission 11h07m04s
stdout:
6h43m21s
